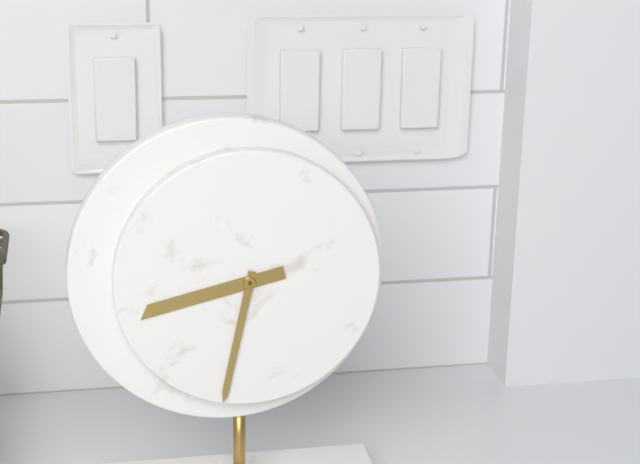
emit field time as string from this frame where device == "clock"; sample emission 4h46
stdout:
8h32
